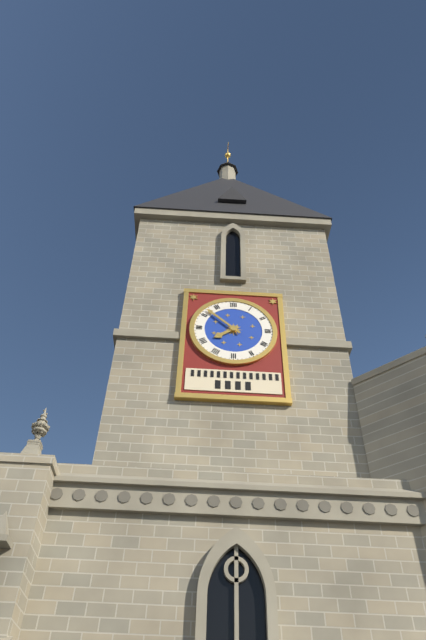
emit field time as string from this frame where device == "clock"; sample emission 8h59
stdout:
7h52
